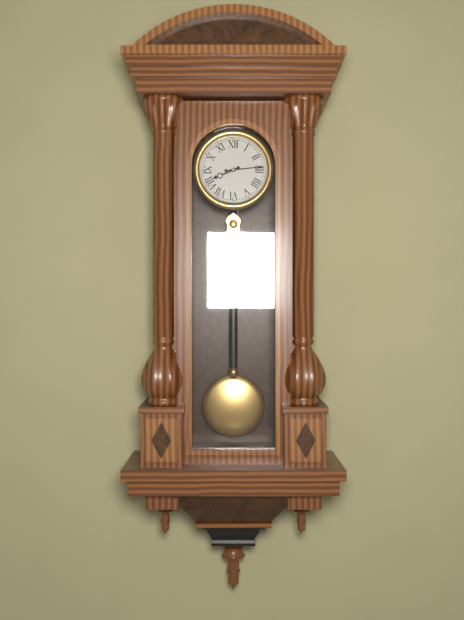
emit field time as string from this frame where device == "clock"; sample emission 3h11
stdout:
8h14
